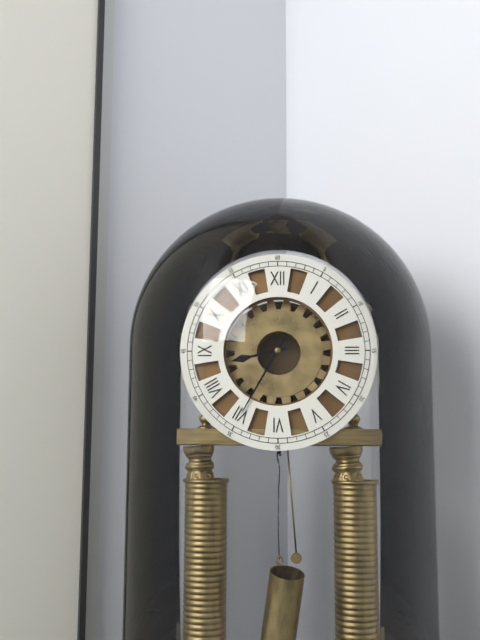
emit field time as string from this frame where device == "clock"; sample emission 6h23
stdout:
8h35
